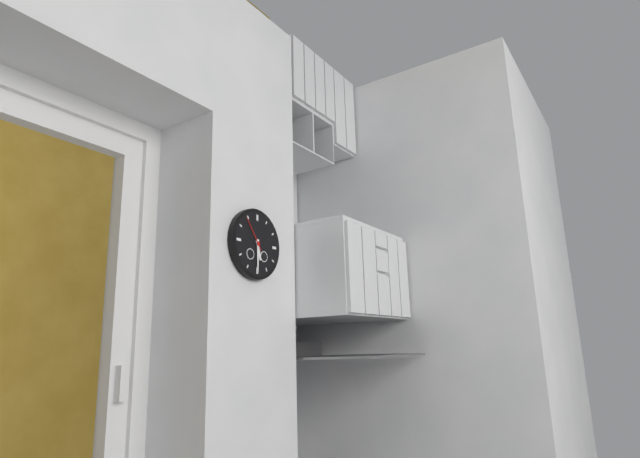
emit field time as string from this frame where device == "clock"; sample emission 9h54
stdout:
5h30
